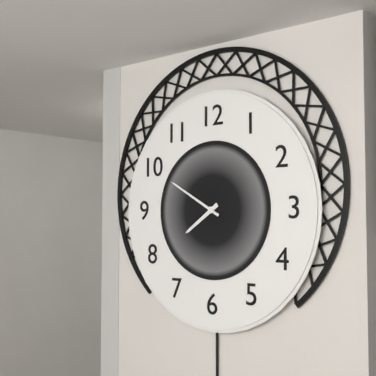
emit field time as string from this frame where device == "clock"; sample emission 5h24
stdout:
7h50
